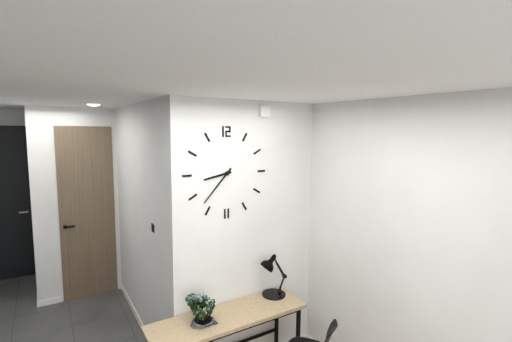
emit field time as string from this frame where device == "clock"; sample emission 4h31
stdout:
8h37
